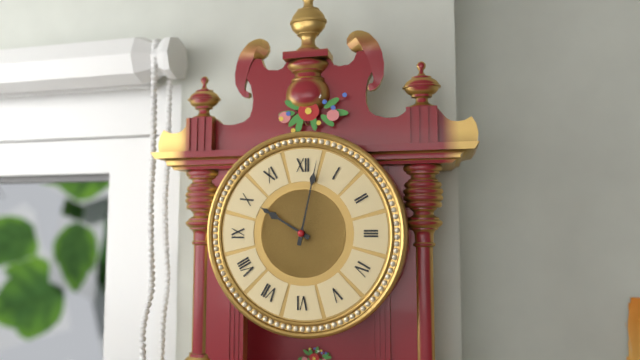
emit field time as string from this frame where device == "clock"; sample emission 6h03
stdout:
10h02
